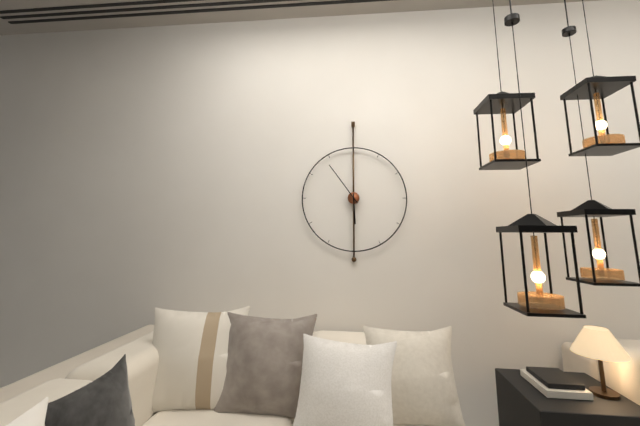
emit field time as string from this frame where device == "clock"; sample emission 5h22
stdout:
5h54
